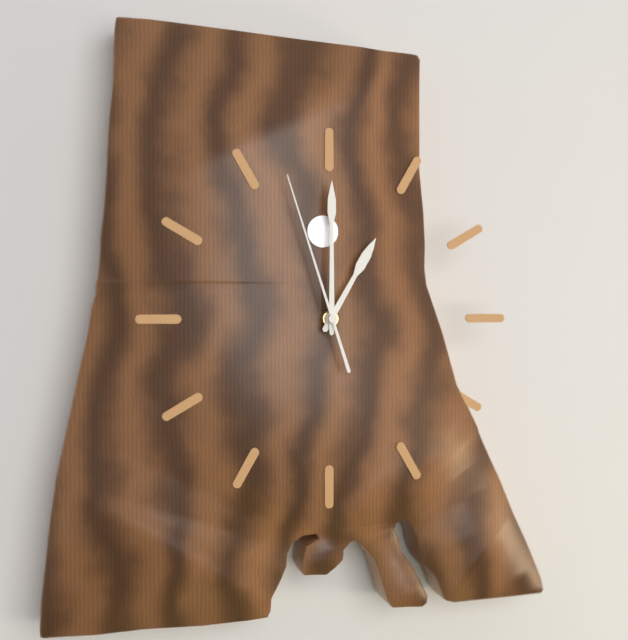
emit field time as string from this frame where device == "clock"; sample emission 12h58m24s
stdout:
1h00m57s
